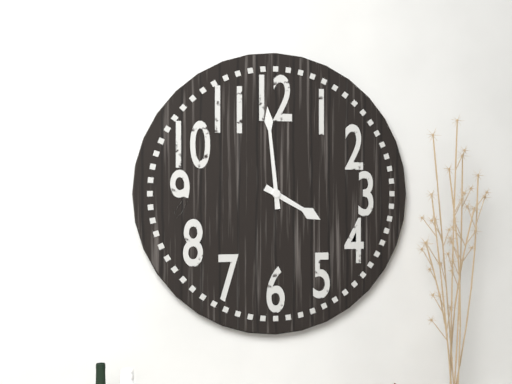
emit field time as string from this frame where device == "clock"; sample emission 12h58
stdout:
3h59
